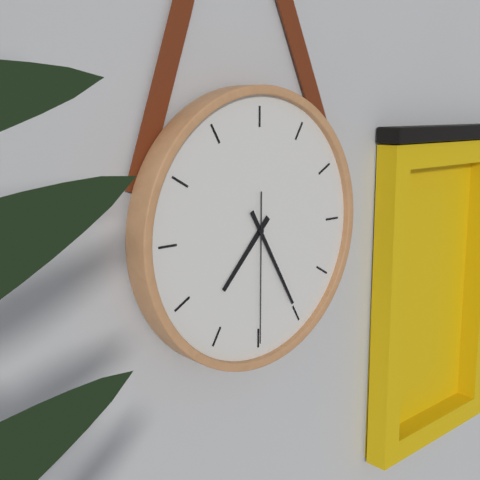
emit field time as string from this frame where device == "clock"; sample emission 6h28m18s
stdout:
7h25m30s
